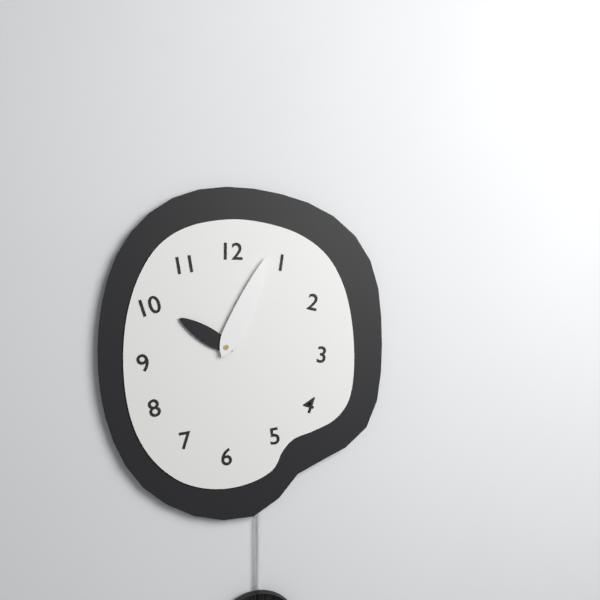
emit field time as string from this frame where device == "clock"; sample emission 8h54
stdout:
10h04
